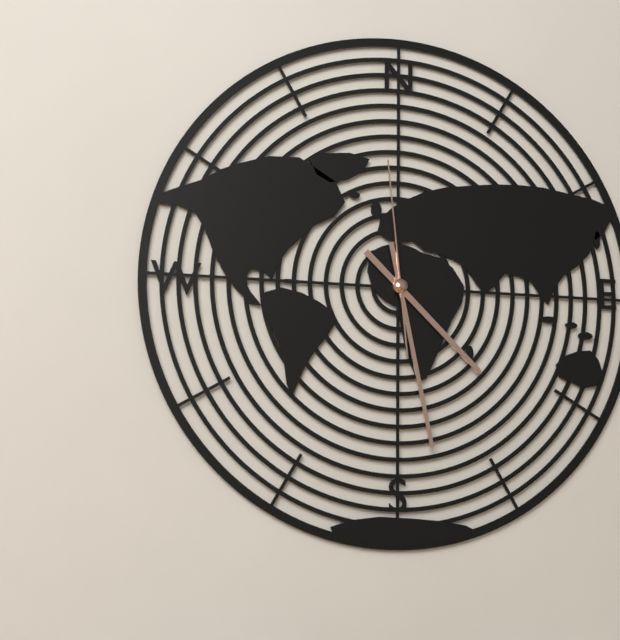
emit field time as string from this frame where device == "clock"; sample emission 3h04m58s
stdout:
4h28m59s
